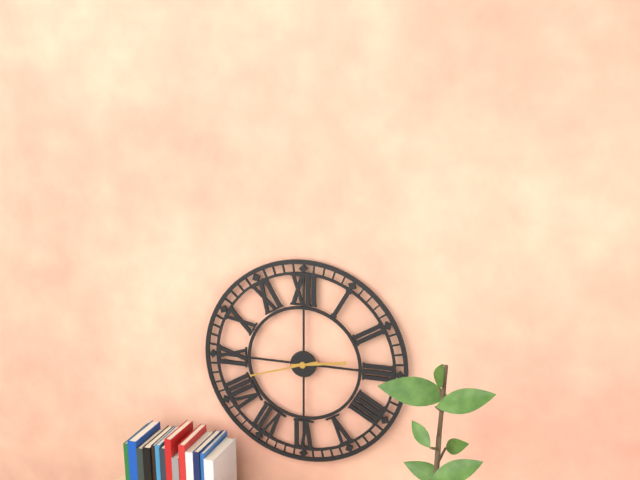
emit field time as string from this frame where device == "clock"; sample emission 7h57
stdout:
2h42
